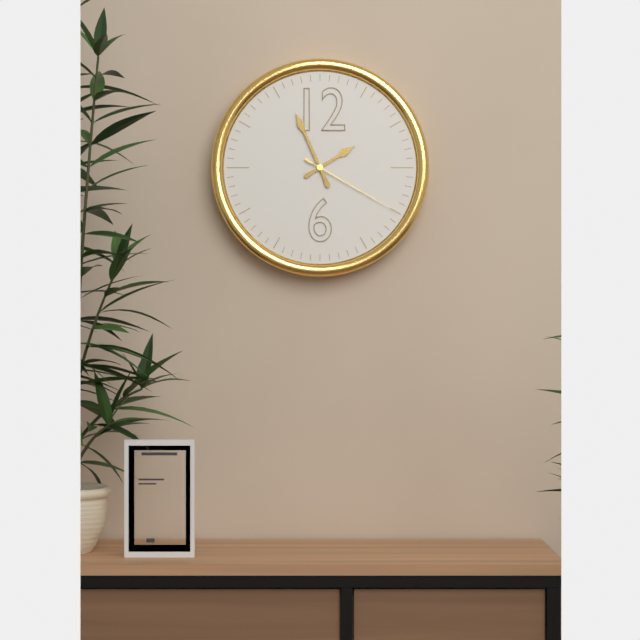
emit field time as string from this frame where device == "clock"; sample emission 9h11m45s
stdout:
1h56m20s
